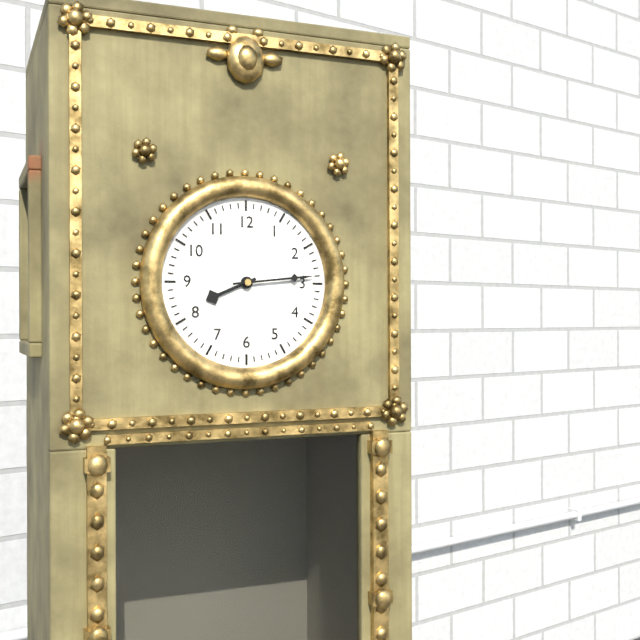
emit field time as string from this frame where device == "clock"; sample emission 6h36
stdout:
8h14
